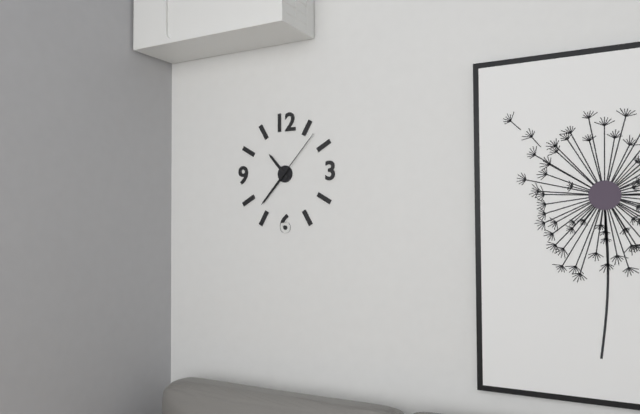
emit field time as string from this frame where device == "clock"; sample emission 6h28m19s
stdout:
10h37m07s
